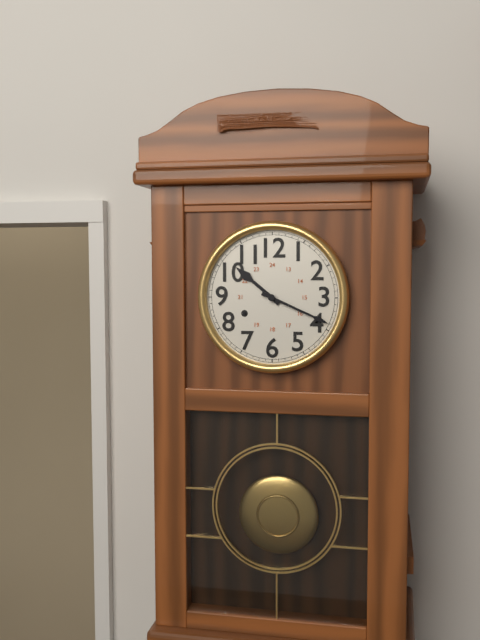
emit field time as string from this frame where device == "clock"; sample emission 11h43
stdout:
10h19
